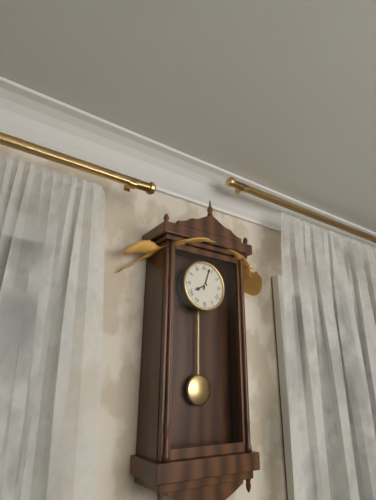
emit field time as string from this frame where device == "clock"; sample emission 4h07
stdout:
8h03
